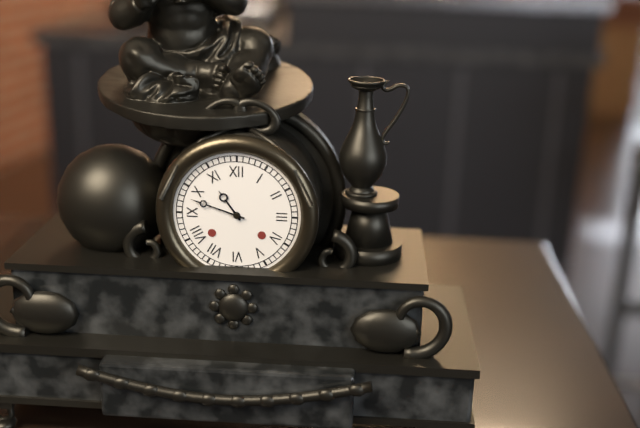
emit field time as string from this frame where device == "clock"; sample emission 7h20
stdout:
10h48
